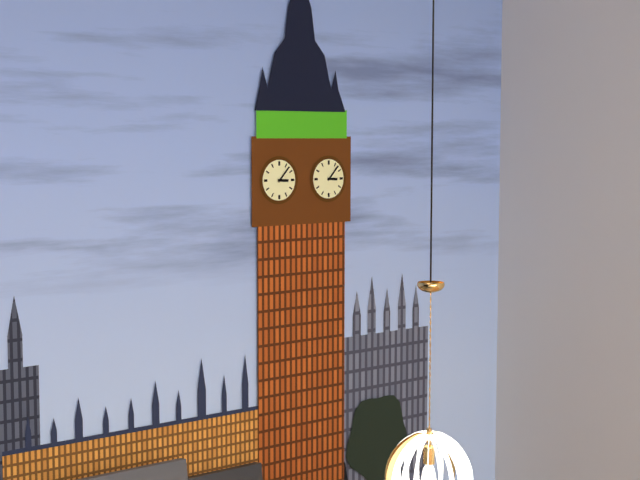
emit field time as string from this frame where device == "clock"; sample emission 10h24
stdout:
3h07
